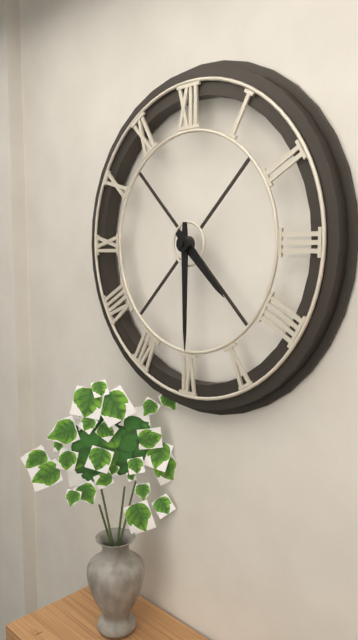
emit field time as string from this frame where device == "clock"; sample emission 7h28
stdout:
4h30
